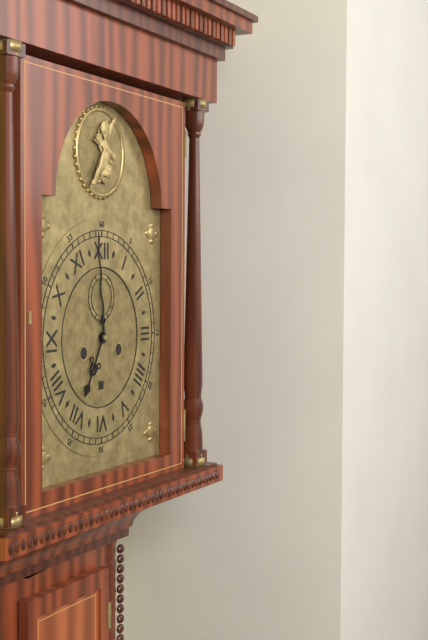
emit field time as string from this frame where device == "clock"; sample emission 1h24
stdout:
6h59
